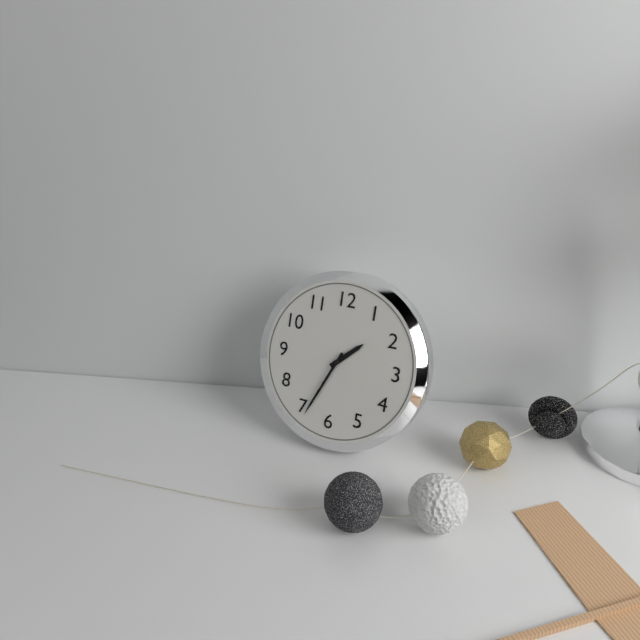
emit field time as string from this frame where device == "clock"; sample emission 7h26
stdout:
1h34
